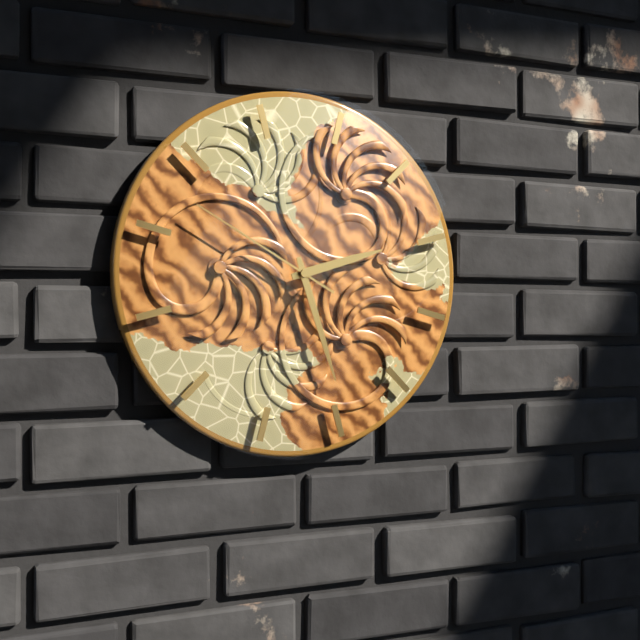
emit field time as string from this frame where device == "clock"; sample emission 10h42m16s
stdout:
2h27m50s
